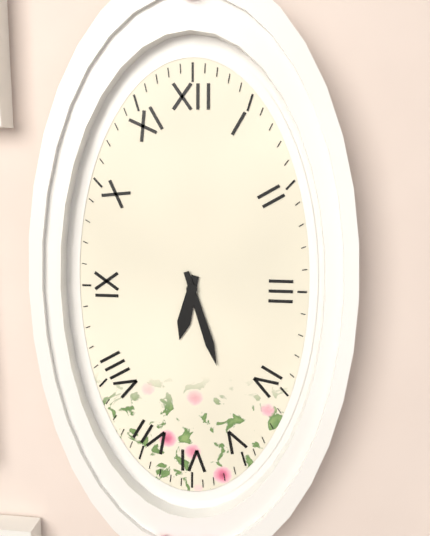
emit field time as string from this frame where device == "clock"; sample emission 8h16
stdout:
6h27
